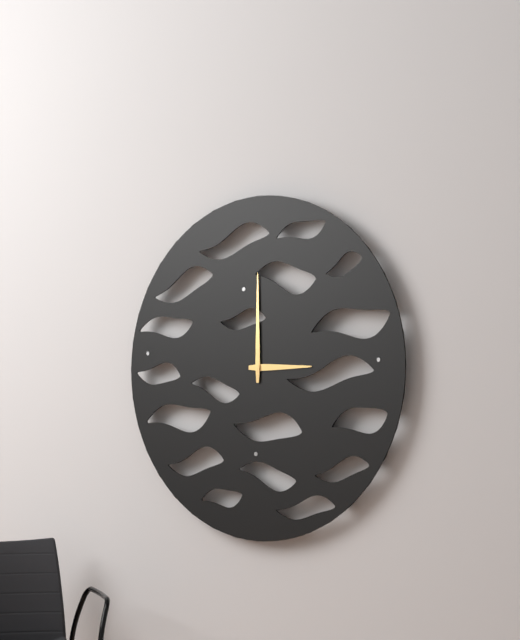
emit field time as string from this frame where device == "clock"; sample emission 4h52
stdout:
3h00
